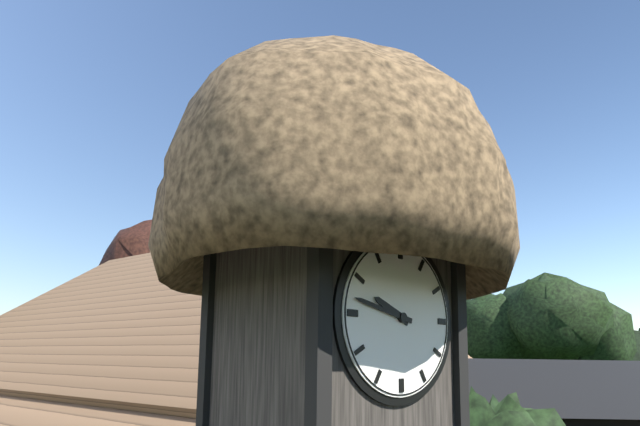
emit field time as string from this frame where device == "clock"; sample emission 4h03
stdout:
9h47
